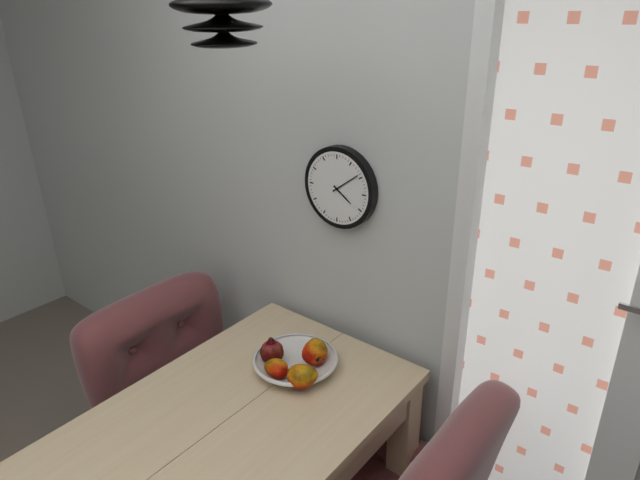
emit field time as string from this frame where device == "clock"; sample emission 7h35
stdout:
4h09
